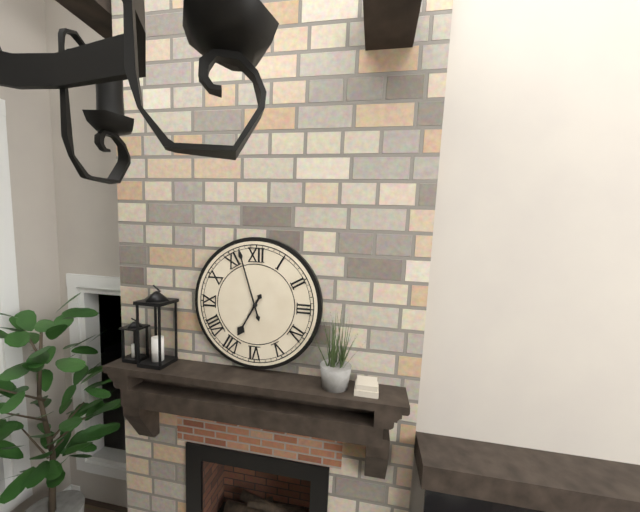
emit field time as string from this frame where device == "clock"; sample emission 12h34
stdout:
6h57
